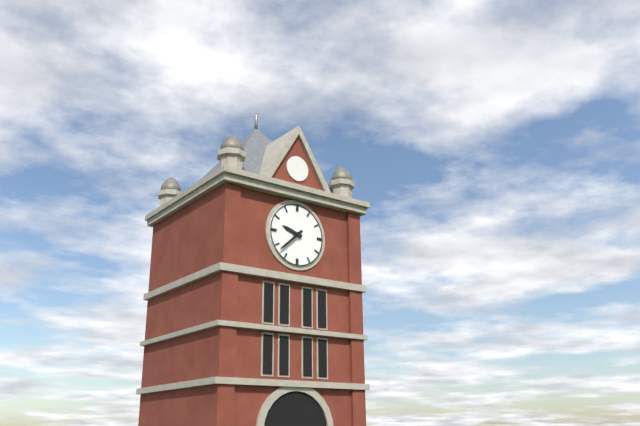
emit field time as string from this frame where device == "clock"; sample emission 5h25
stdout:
9h38
